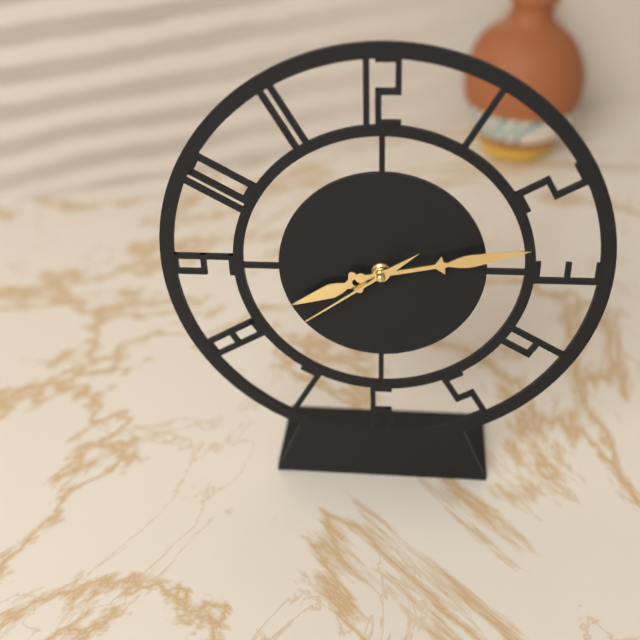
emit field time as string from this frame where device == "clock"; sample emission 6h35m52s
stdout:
8h13m39s
